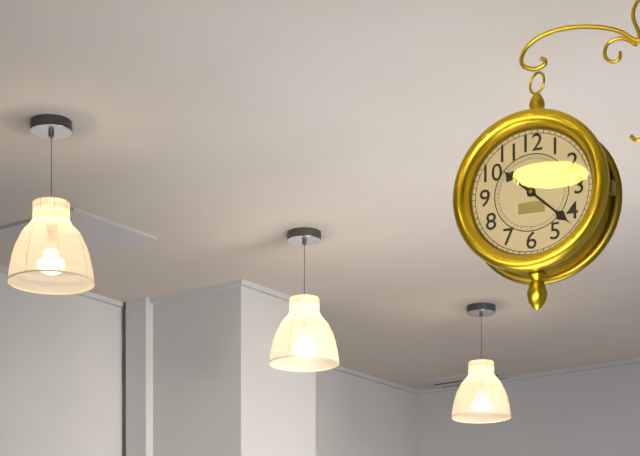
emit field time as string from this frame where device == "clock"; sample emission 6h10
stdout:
10h22
